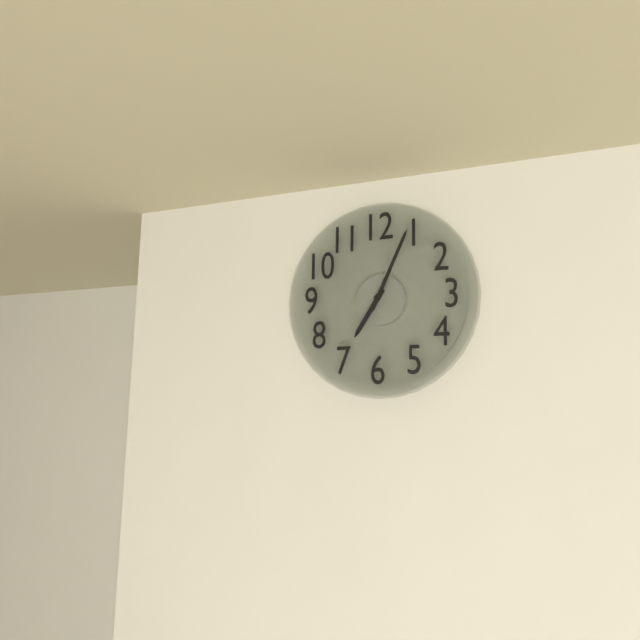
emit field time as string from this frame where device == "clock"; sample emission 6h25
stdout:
7h04
